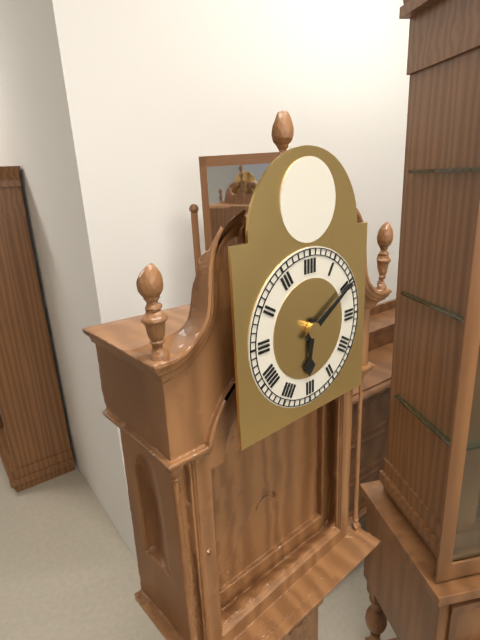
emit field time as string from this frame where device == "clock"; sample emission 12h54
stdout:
6h10
